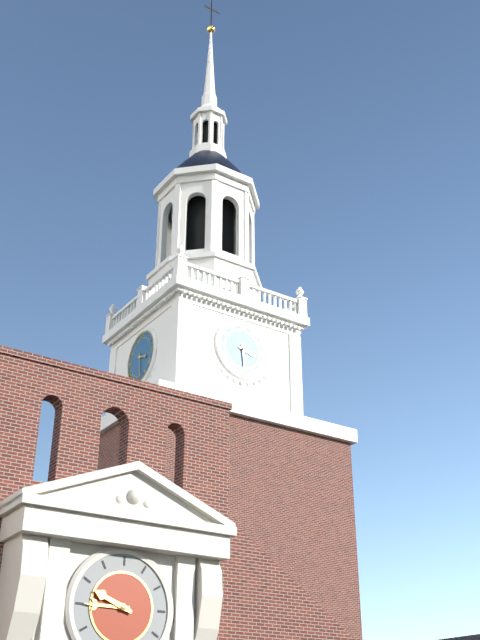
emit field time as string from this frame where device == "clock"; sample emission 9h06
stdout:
3h29
